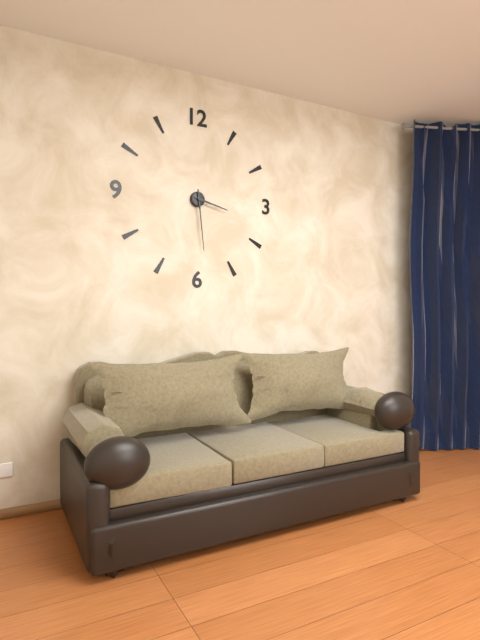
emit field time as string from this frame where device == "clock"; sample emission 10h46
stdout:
3h29
